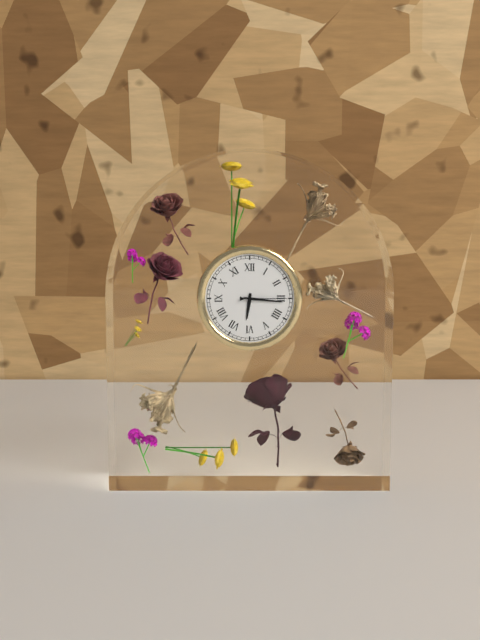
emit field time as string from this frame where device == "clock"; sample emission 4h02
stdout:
6h16
